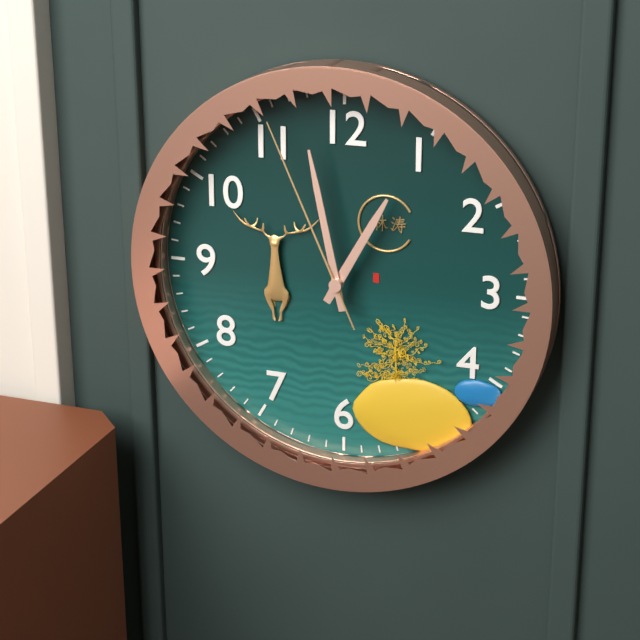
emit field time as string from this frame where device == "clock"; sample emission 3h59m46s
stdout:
12h58m56s
